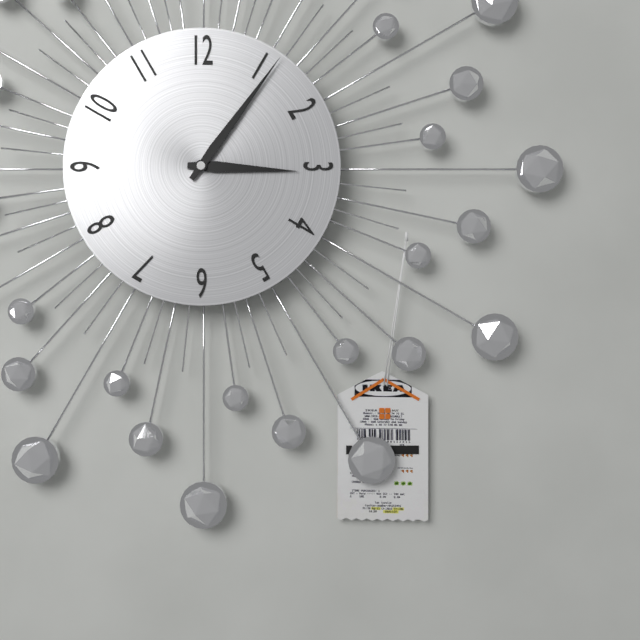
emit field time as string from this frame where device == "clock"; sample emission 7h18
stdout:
3h06
